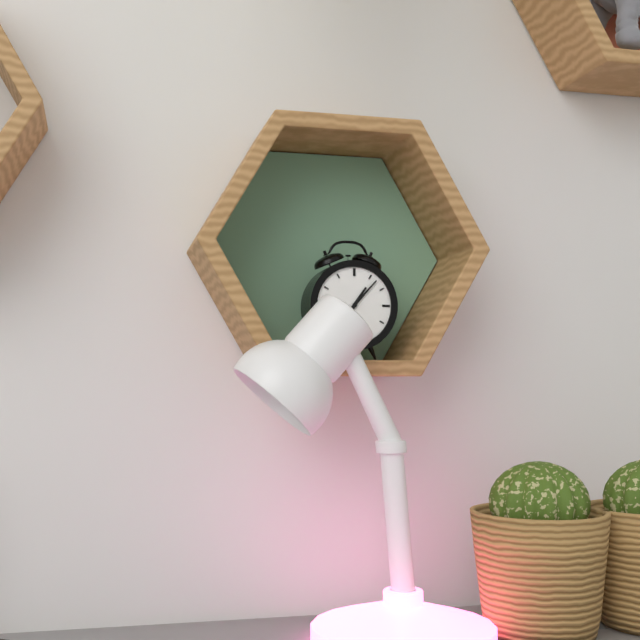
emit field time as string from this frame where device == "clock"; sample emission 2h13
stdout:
1h07
